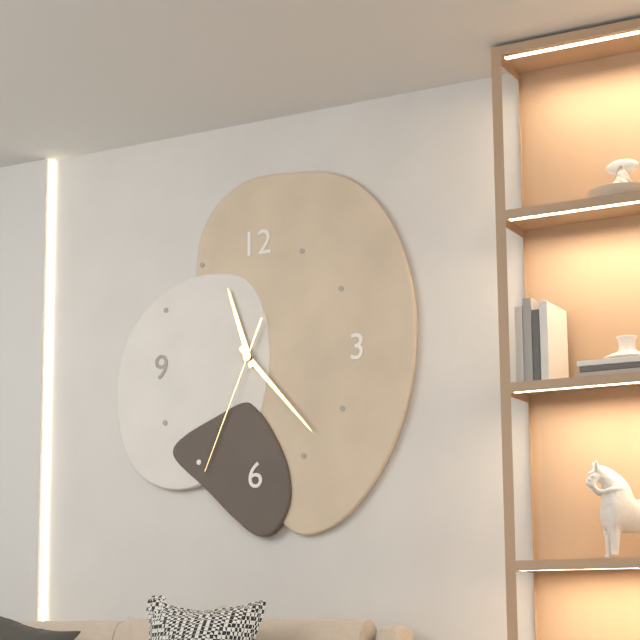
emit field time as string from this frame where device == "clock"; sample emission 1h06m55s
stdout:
11h23m34s
